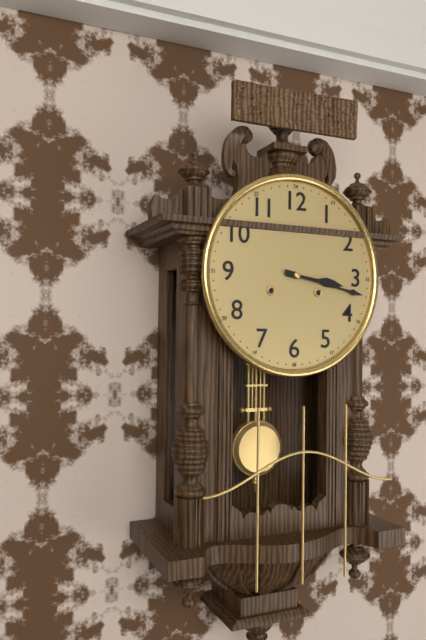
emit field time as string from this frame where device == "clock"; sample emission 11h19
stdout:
3h17
